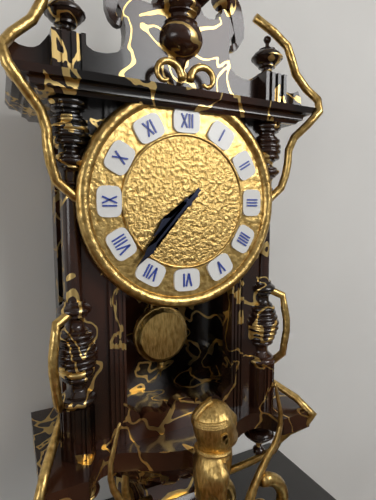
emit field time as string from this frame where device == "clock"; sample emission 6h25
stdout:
7h37
